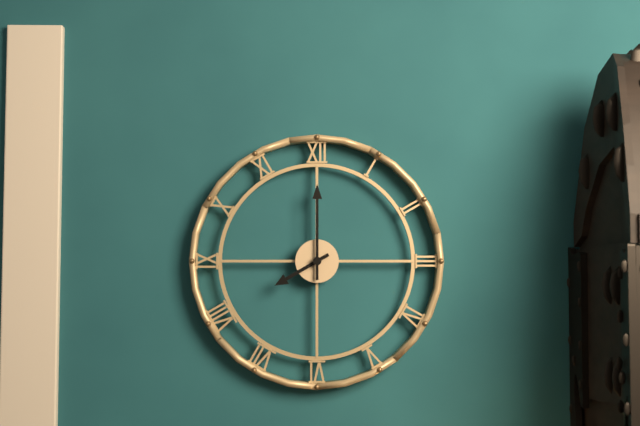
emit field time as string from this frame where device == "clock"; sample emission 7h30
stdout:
8h00
